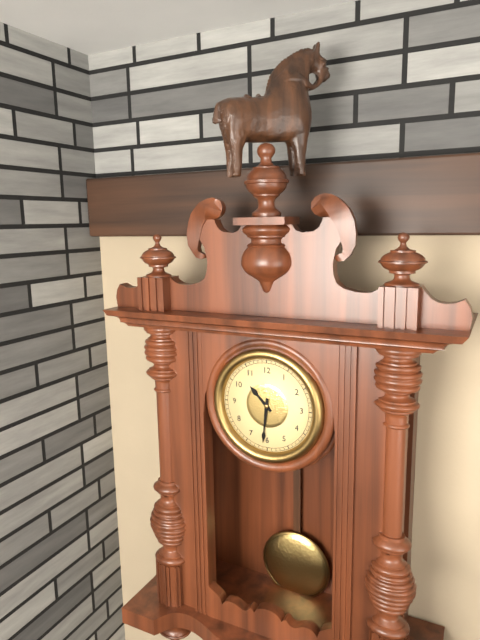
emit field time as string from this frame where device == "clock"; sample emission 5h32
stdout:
10h31
